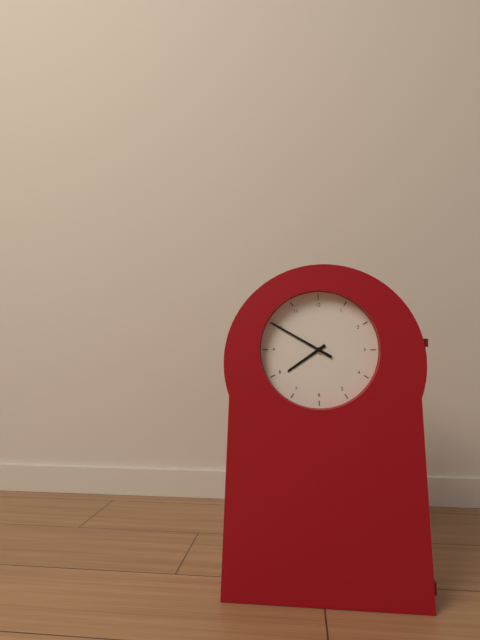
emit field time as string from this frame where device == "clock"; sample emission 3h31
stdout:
7h50
